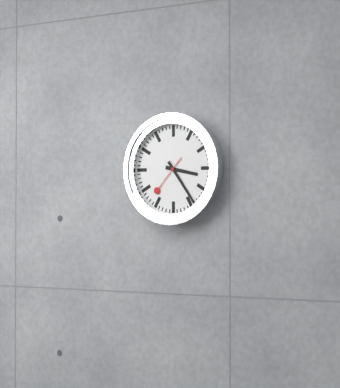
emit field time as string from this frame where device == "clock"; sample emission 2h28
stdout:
3h24
